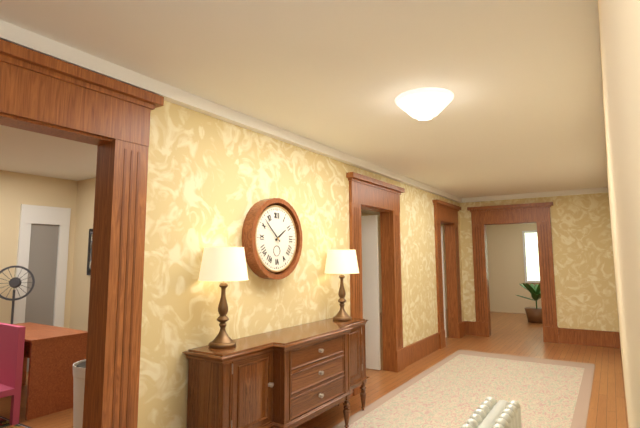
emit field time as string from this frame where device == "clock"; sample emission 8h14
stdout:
1h52
